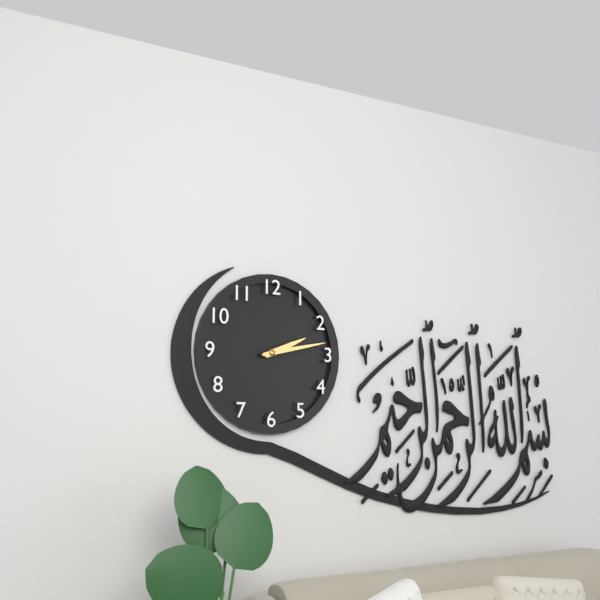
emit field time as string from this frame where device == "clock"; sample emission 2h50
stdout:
2h13
